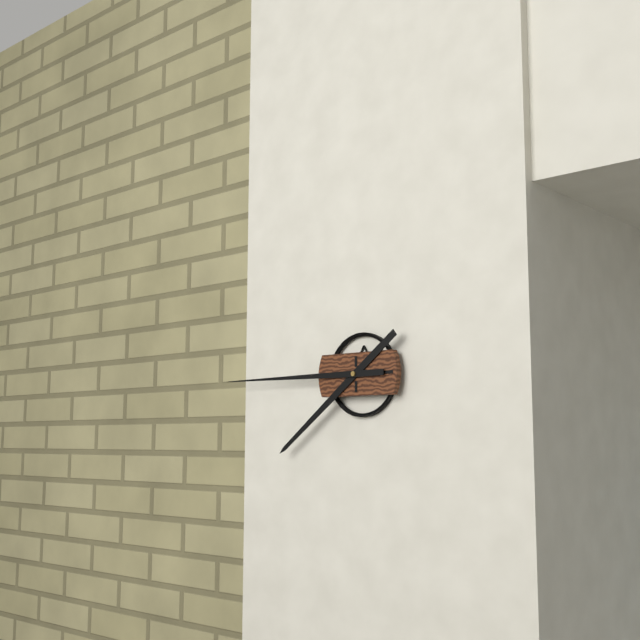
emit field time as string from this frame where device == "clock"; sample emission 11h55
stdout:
7h45
